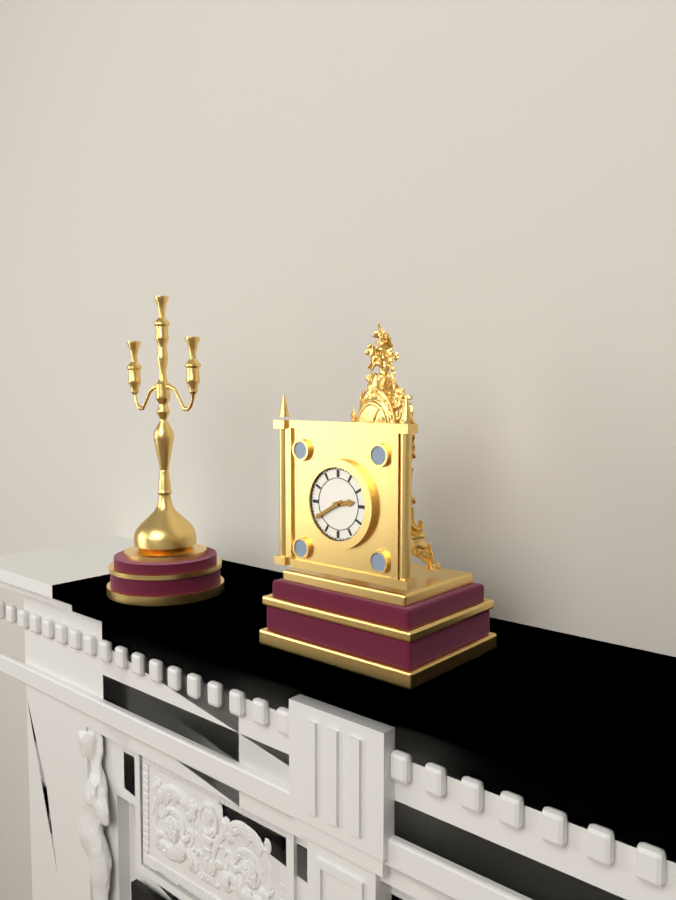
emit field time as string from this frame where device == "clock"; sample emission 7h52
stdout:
2h40
